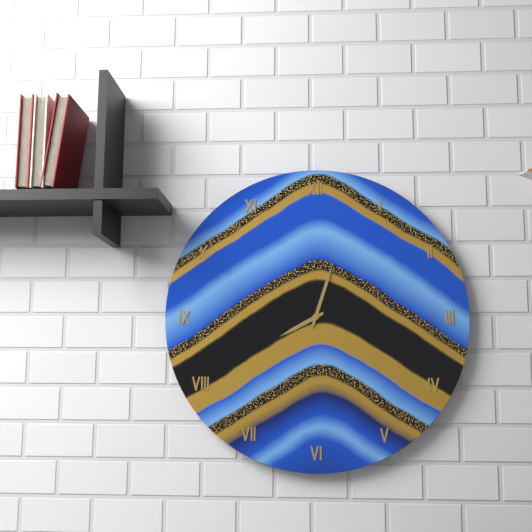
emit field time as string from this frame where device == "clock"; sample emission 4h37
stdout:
8h03
